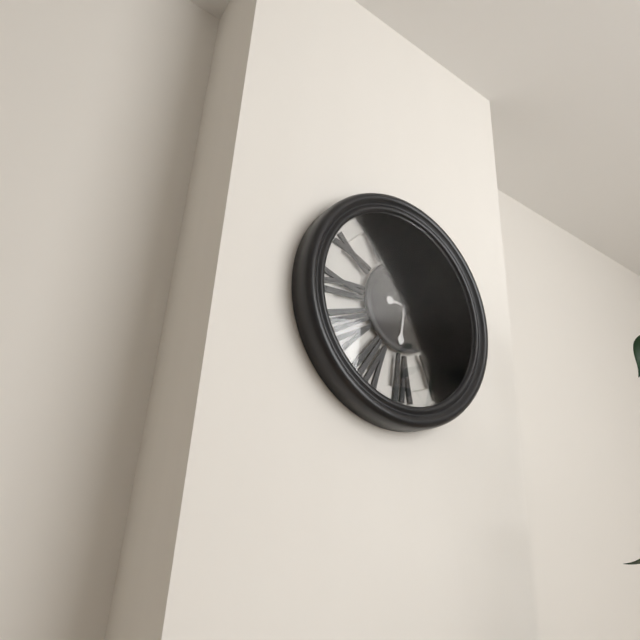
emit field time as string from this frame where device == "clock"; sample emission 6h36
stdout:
6h15
